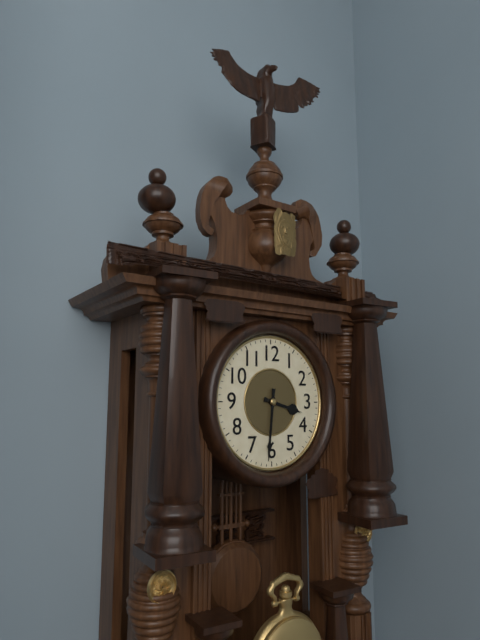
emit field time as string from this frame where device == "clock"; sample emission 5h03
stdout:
3h31
